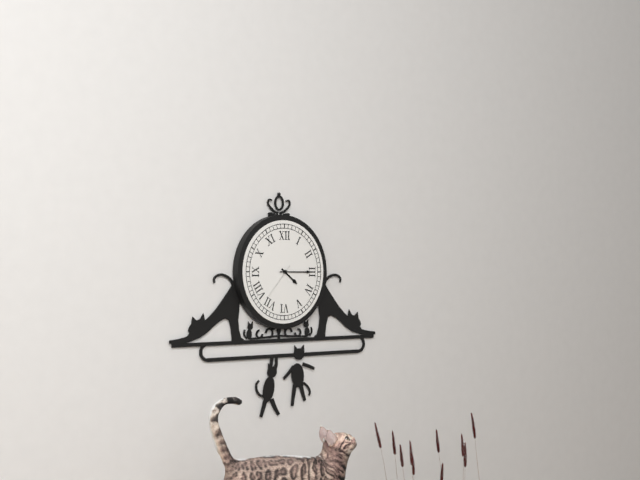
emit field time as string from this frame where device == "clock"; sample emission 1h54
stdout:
4h15
